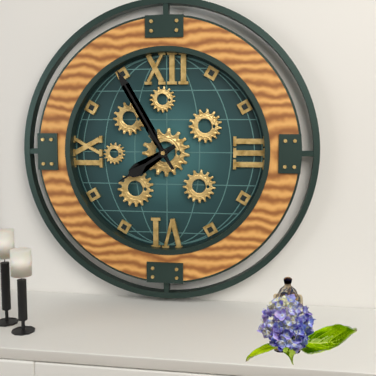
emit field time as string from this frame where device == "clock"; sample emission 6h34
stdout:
7h55
